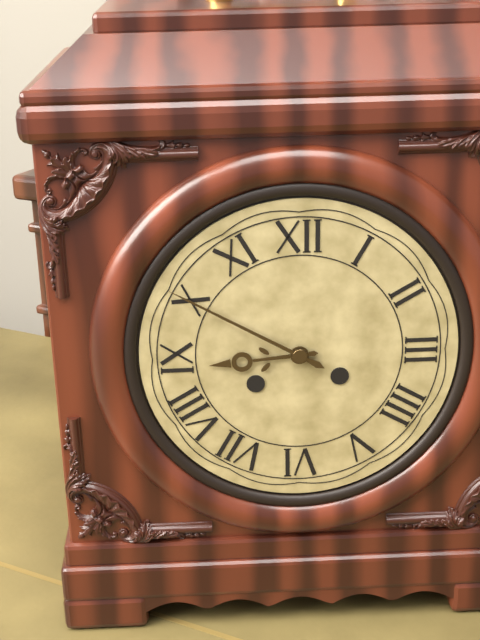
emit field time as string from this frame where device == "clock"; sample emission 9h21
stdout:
8h50
